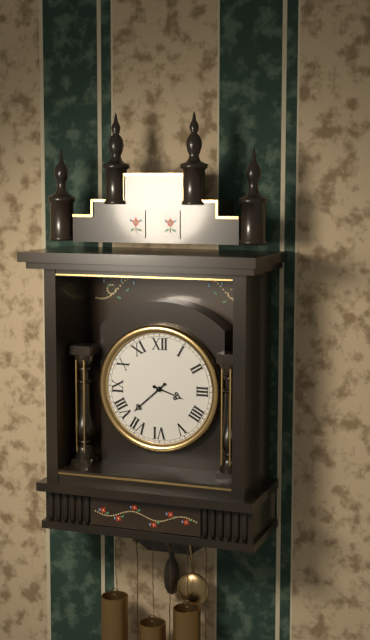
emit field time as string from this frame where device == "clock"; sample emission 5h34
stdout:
3h38
